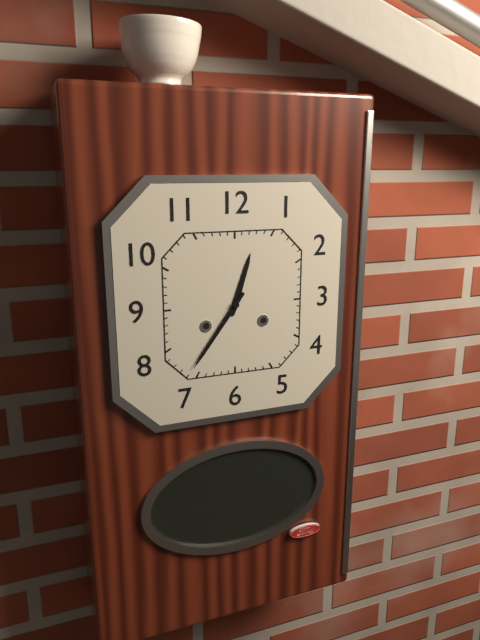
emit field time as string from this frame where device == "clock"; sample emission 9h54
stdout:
12h36
